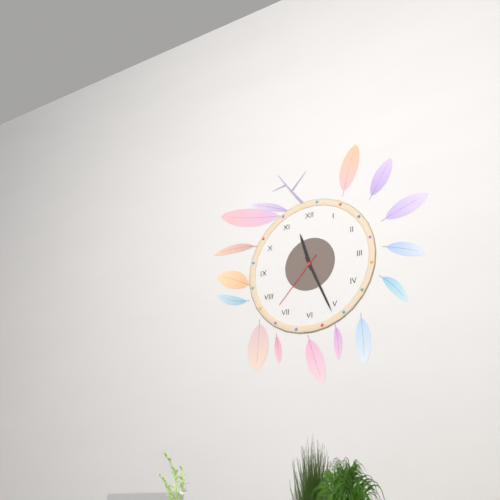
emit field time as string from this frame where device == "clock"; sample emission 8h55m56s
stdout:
11h26m37s
